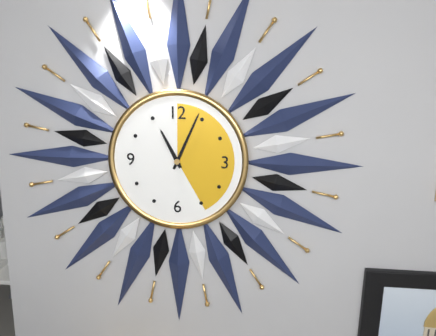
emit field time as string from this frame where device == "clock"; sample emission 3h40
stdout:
11h04
